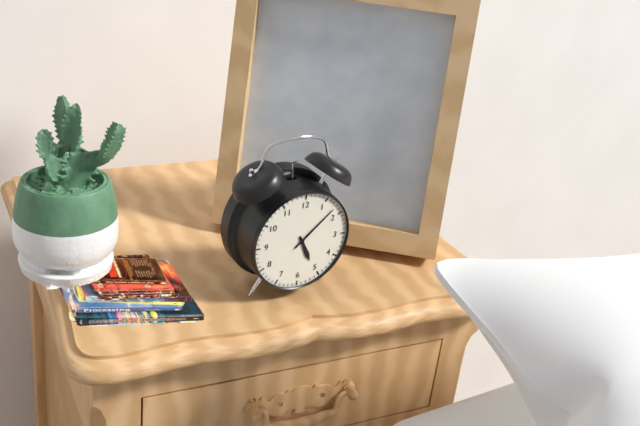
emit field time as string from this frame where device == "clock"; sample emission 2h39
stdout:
5h08
